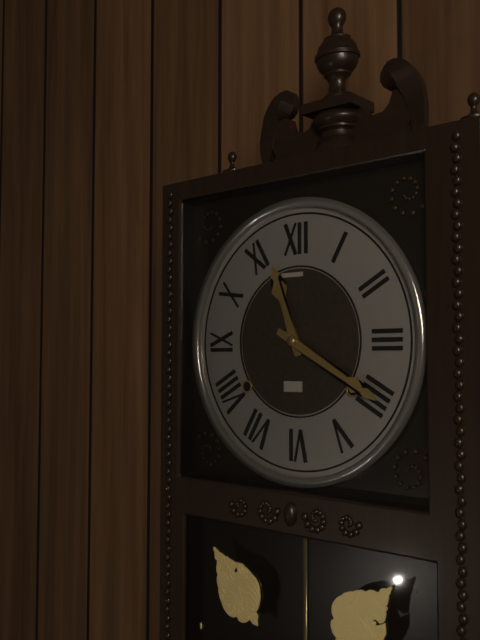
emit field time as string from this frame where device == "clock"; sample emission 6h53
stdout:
11h20
